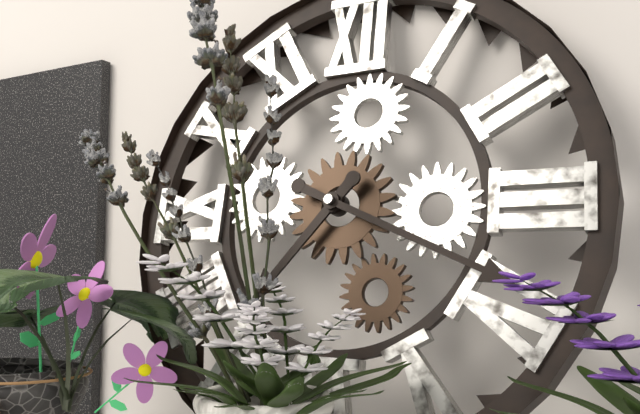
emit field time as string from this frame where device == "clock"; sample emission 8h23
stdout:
7h19
